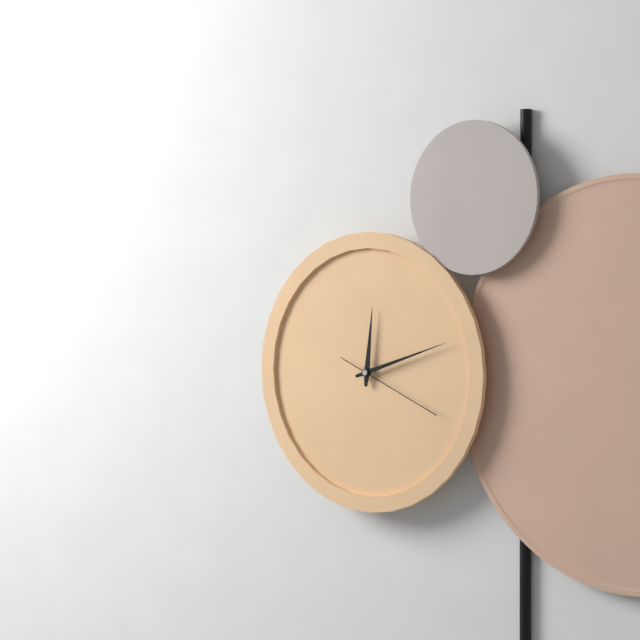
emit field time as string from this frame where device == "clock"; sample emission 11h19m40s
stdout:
12h12m19s
